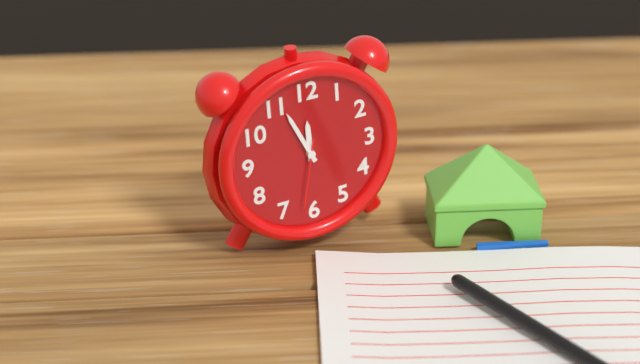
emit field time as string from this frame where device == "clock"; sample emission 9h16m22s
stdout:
11h56m32s
